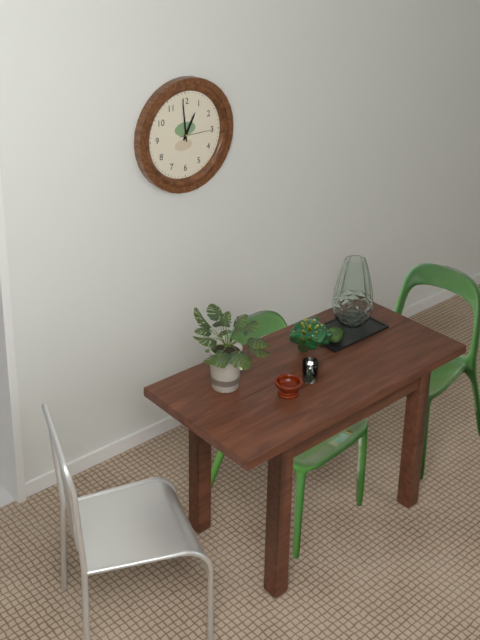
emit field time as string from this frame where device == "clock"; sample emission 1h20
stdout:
12h59
